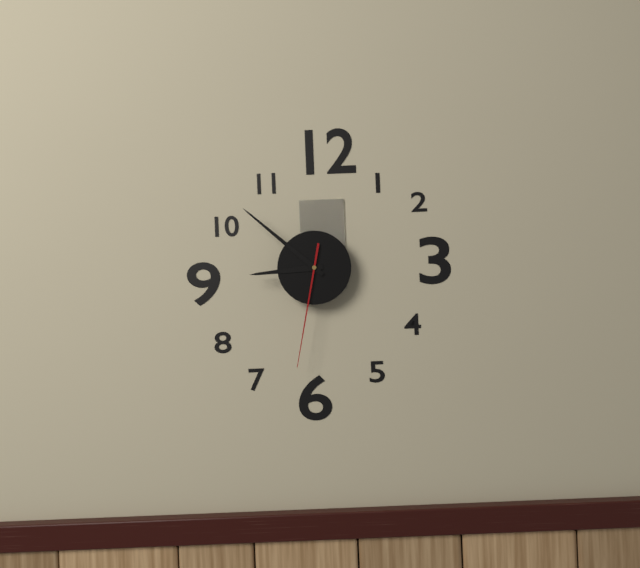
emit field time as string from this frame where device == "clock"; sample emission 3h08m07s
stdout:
8h52m32s
